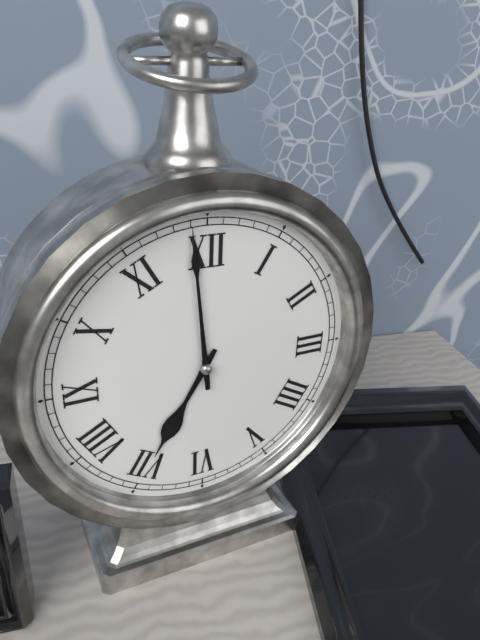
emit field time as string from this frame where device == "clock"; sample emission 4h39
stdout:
6h59
